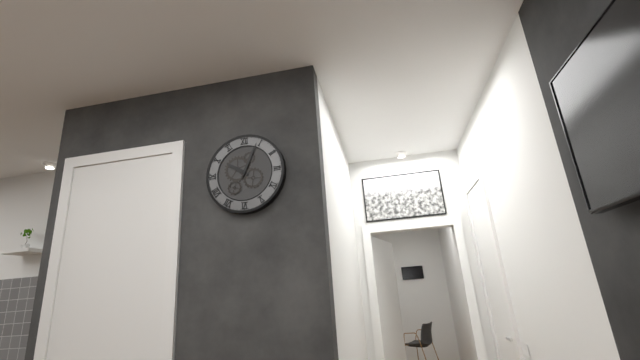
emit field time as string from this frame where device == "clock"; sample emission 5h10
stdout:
10h04
